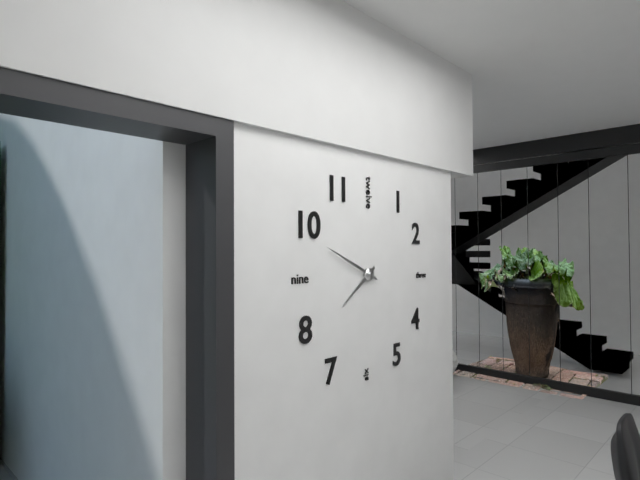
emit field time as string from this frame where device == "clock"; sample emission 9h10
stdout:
7h49
